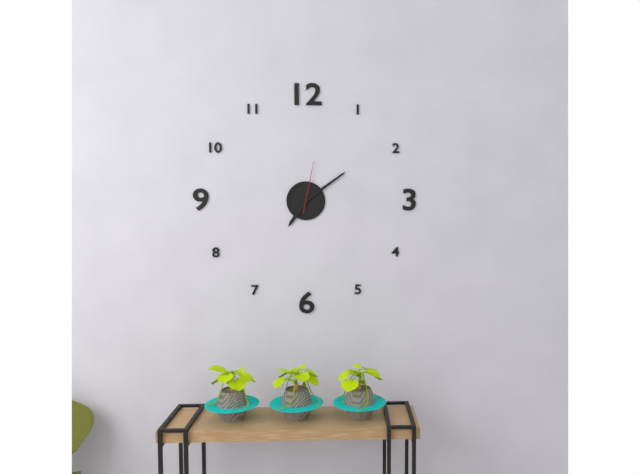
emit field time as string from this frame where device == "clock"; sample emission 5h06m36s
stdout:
7h09m02s
